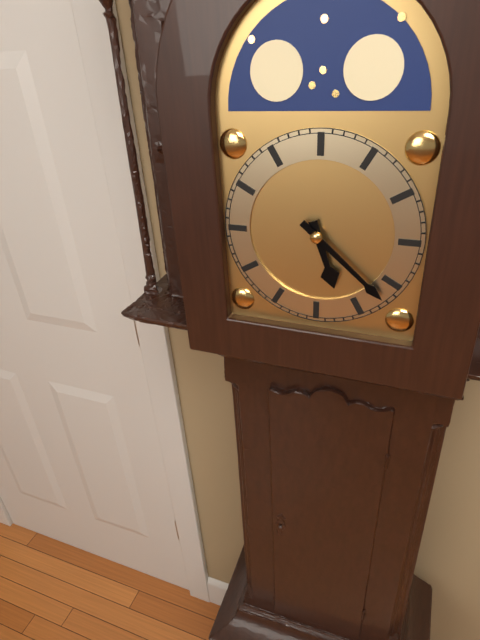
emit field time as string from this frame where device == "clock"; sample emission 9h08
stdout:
5h22
